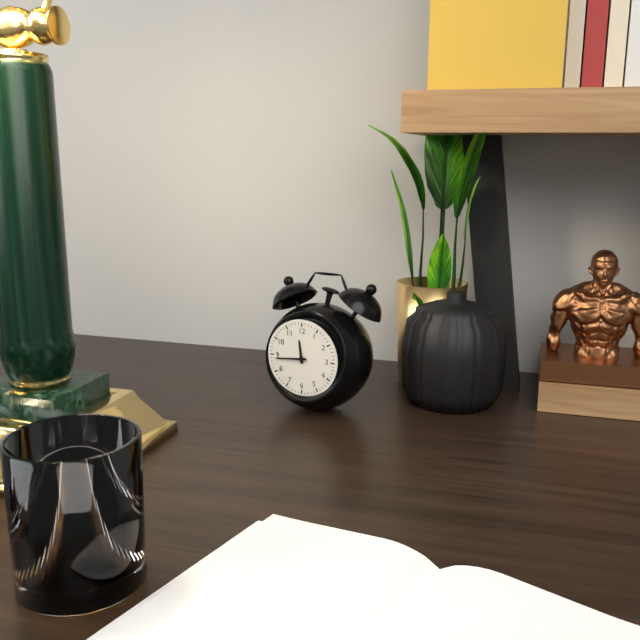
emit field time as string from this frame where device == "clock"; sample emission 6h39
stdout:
11h44
